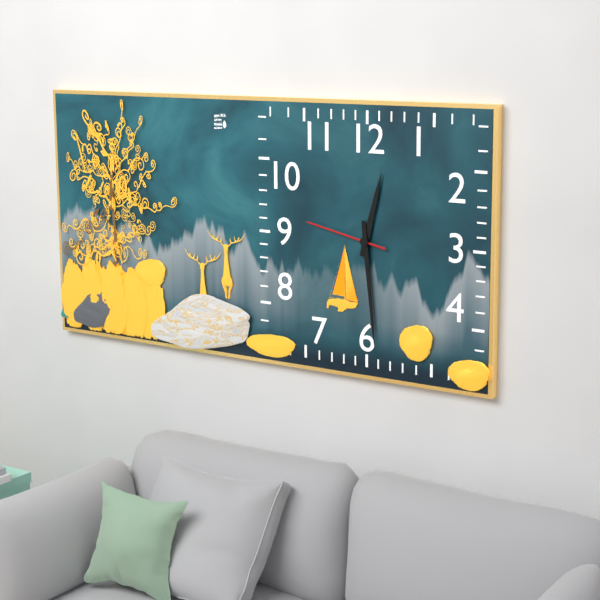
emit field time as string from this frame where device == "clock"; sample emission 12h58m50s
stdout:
12h29m47s
